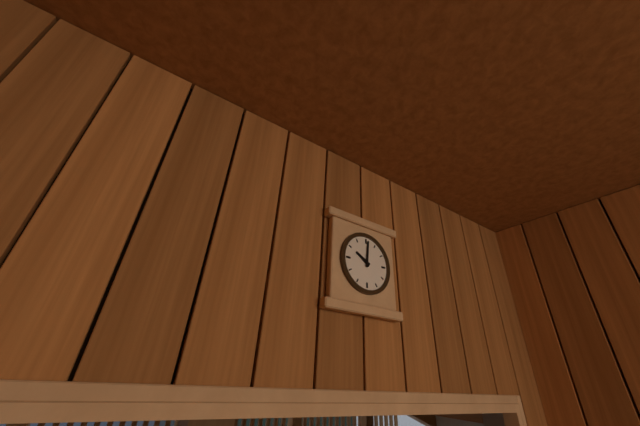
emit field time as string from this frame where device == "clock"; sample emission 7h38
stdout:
10h01
